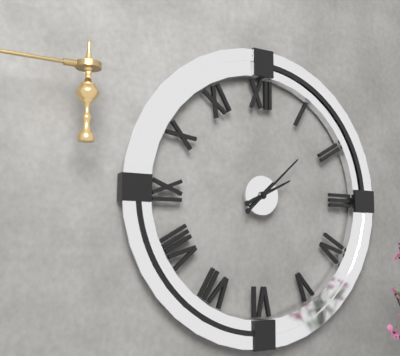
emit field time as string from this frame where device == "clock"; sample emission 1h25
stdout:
2h08
